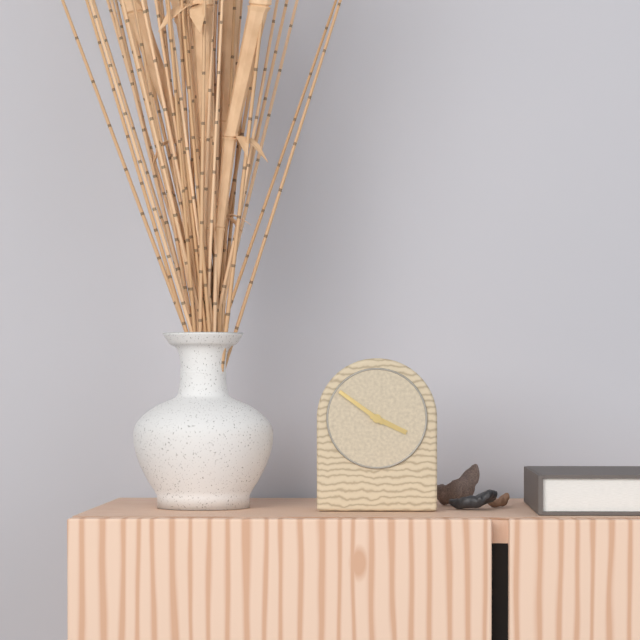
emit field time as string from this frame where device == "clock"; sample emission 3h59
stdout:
3h51
